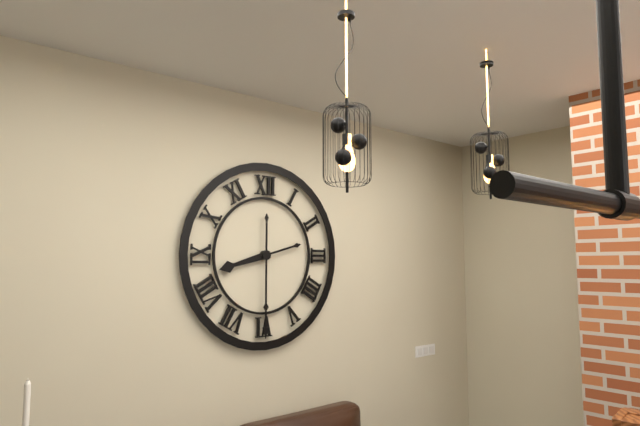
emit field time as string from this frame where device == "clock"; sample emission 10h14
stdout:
8h30
